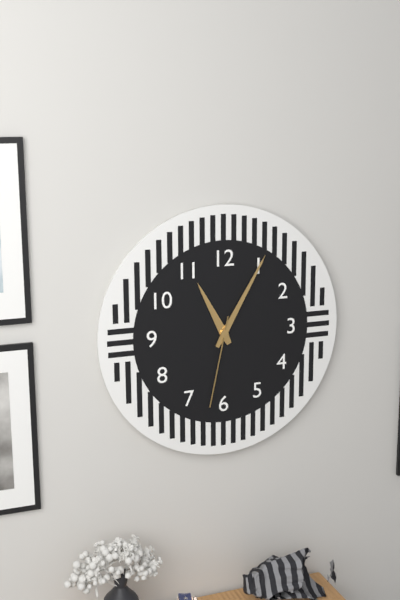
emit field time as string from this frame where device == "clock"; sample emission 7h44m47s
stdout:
11h05m32s
